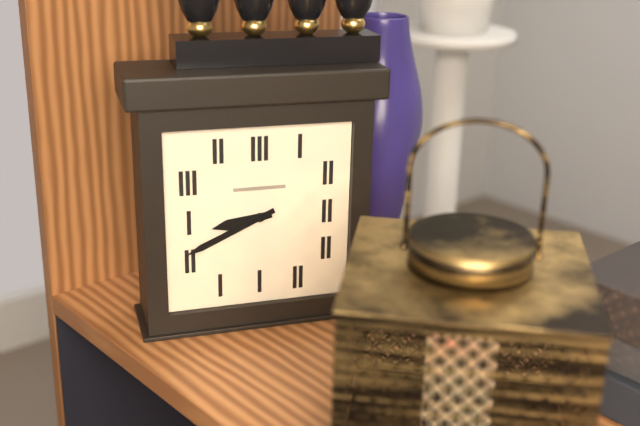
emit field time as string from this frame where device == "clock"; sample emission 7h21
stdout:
8h41
